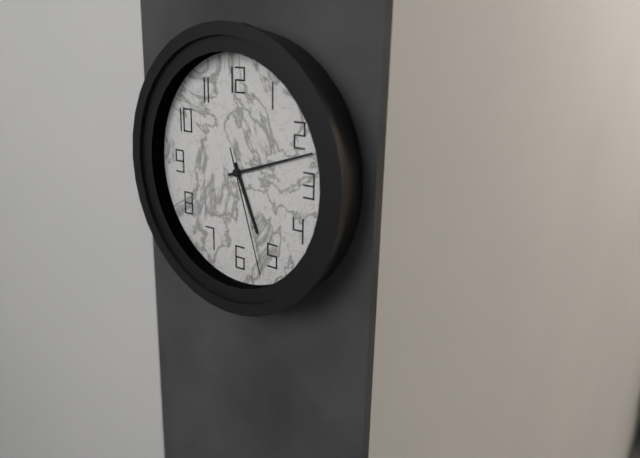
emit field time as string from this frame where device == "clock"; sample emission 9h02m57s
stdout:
5h12m27s
